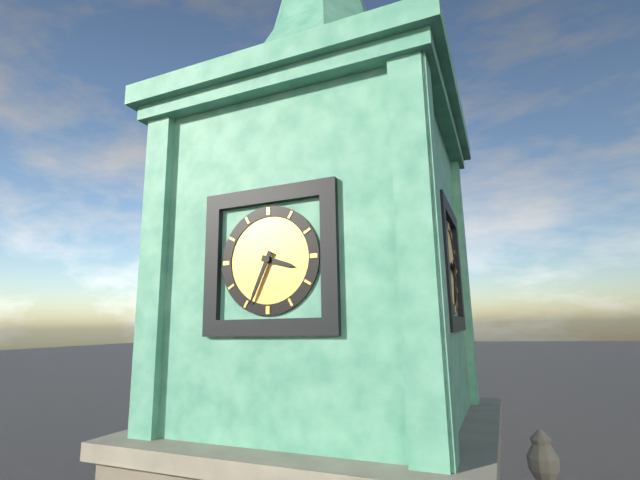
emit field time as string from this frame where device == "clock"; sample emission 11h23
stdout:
3h34
